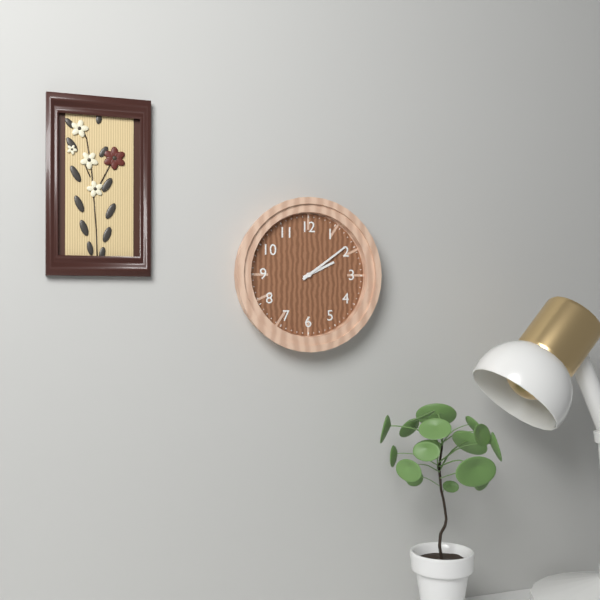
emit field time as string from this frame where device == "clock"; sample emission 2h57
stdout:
2h09
